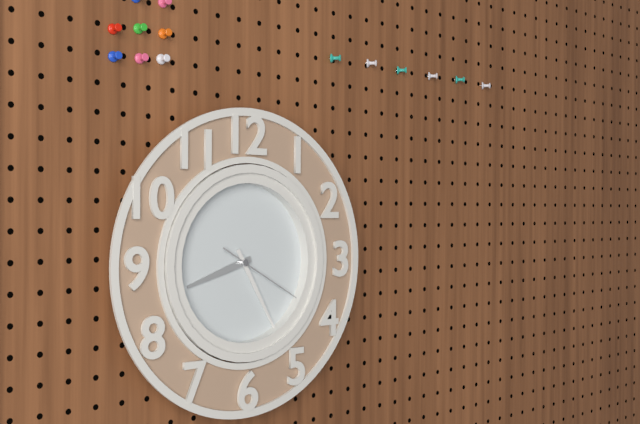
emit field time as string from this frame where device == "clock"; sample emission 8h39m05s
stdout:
8h25m20s
